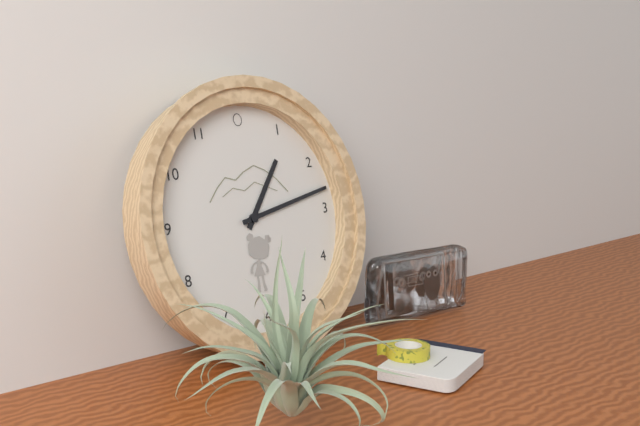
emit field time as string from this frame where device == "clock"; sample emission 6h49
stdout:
1h13
